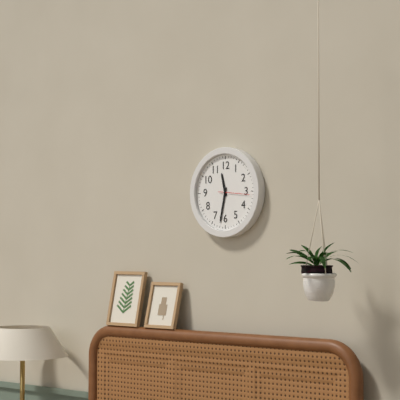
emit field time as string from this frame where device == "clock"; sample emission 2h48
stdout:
11h32
